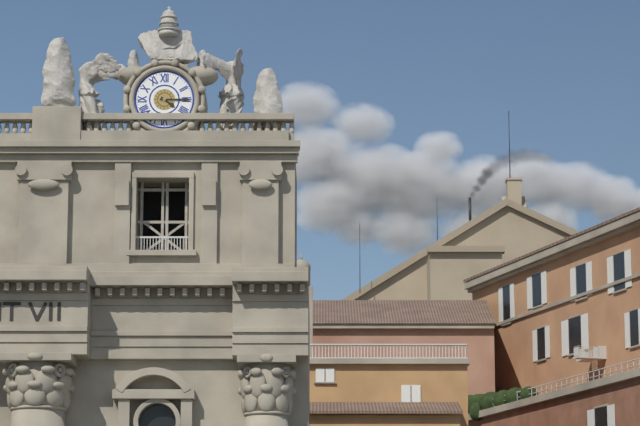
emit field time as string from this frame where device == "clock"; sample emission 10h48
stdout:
4h15
